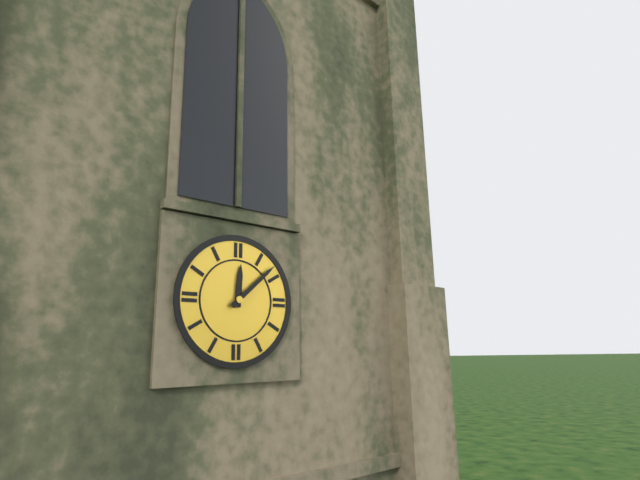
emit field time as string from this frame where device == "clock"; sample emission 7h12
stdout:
12h08
